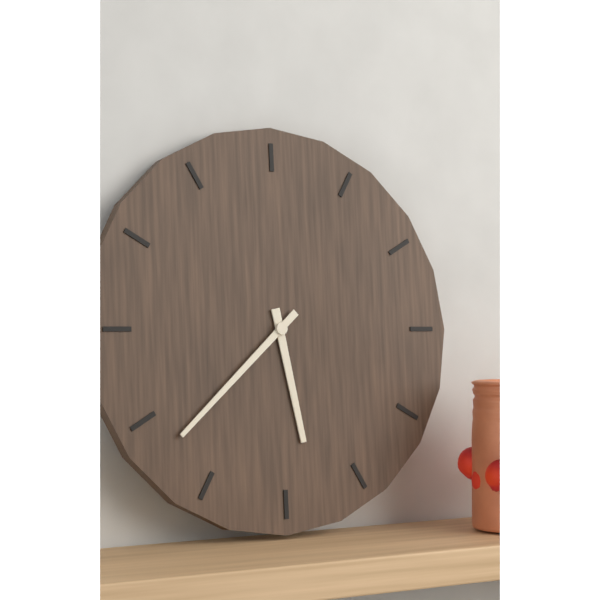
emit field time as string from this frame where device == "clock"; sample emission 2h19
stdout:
5h38
